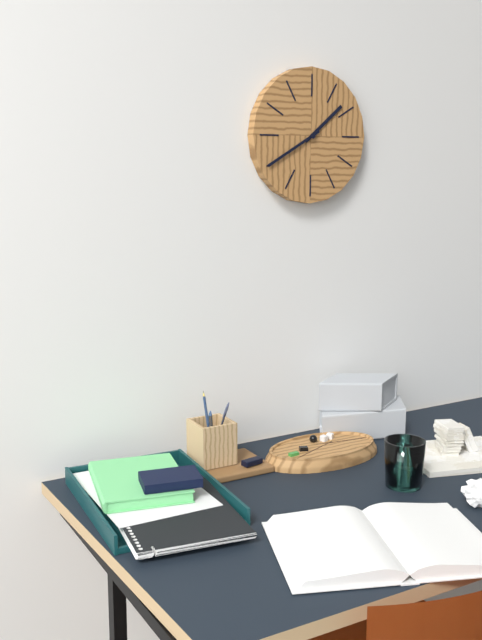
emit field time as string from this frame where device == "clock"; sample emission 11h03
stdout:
1h40
